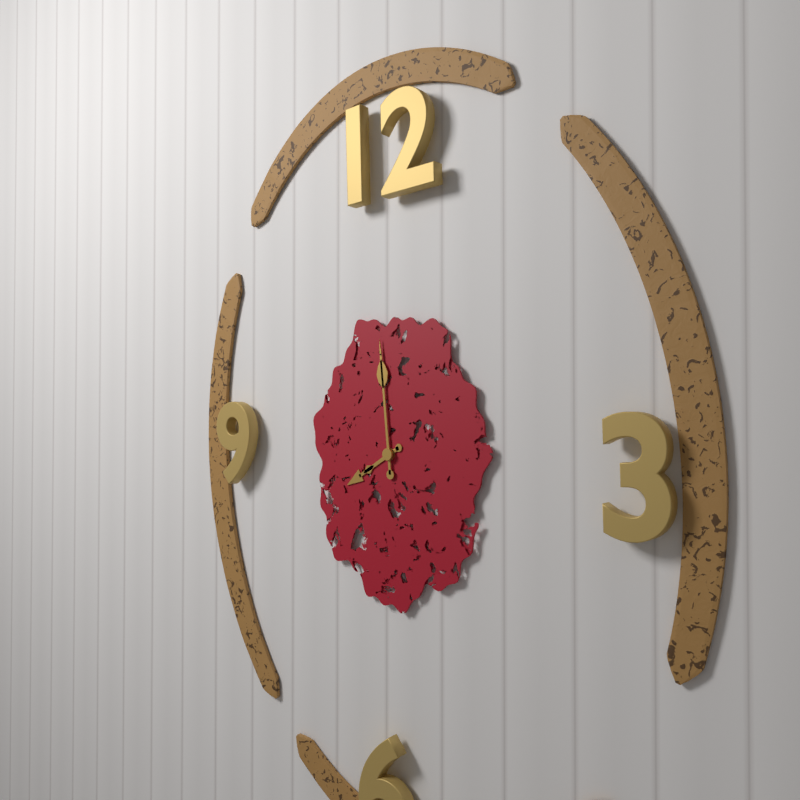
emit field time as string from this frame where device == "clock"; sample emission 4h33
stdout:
7h59
